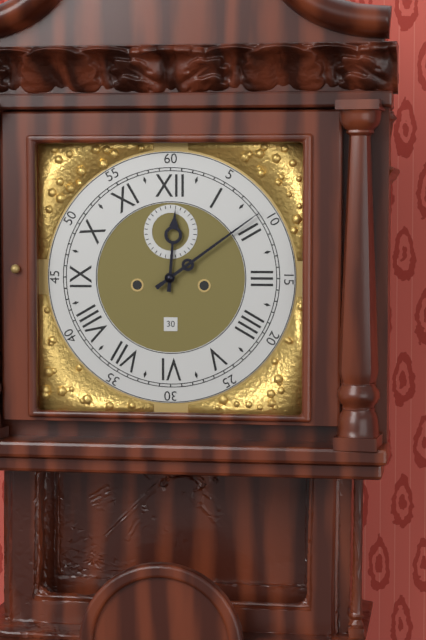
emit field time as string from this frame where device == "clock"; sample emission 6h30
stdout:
12h09
